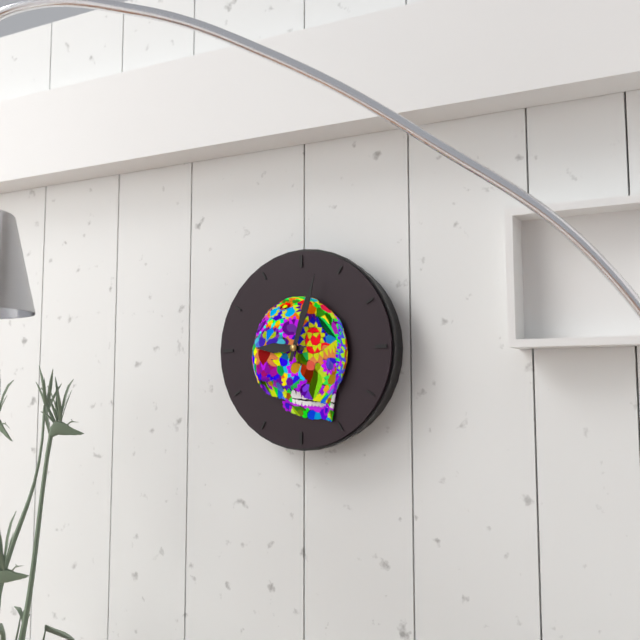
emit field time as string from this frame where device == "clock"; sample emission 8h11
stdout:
9h03
